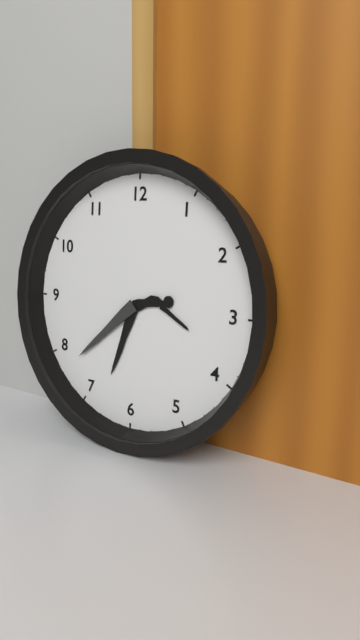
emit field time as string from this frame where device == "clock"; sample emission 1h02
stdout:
6h38
